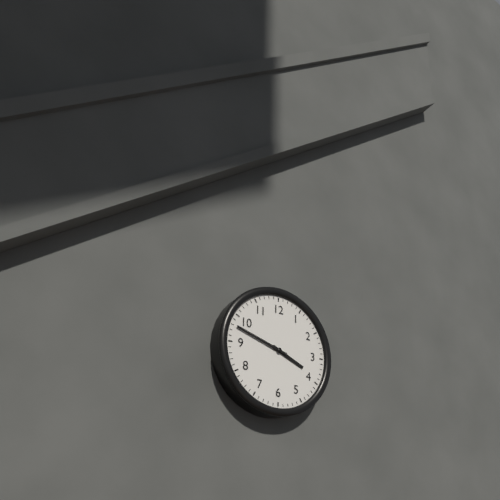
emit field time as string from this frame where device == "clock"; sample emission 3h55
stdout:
3h48
